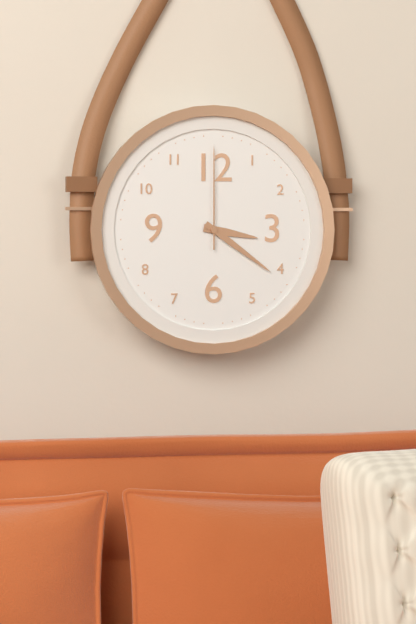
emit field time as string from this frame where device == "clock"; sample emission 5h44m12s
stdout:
3h21m00s
